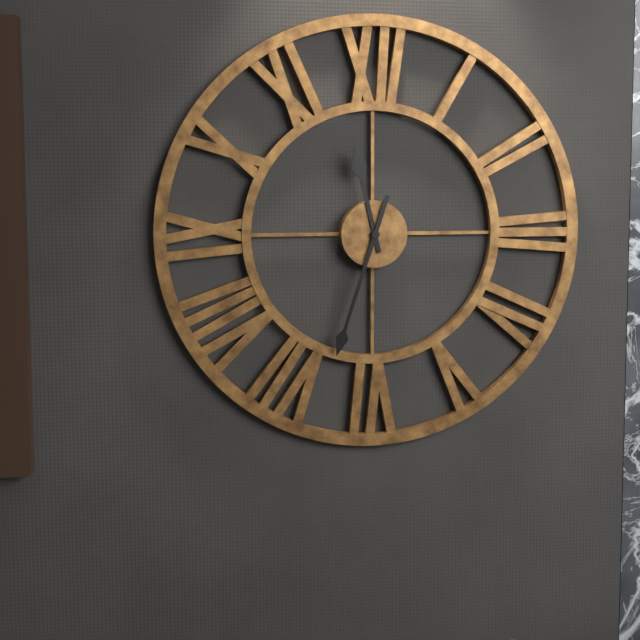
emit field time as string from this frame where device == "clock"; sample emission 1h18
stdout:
11h33
